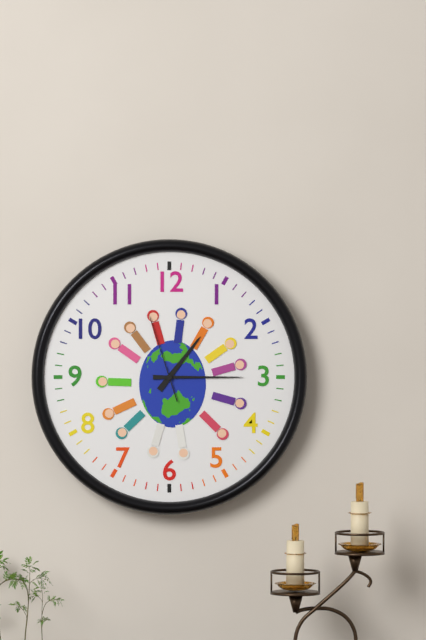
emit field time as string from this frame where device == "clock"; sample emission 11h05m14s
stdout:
1h15m57s
